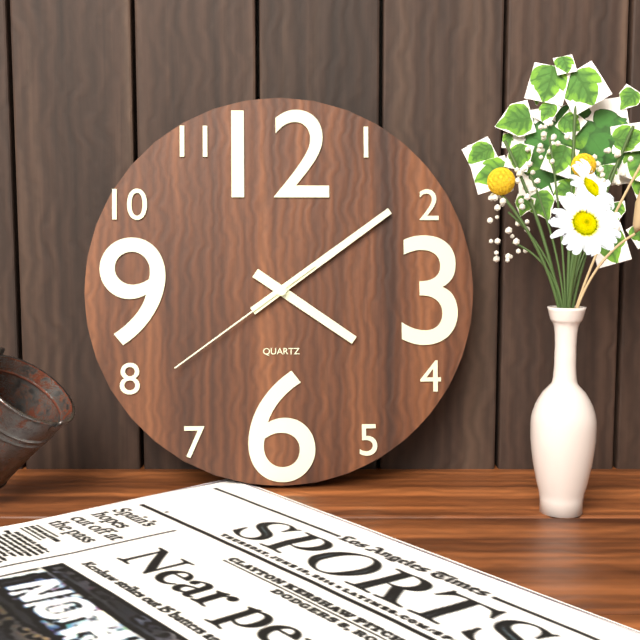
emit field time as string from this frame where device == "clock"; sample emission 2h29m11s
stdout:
4h09m39s
